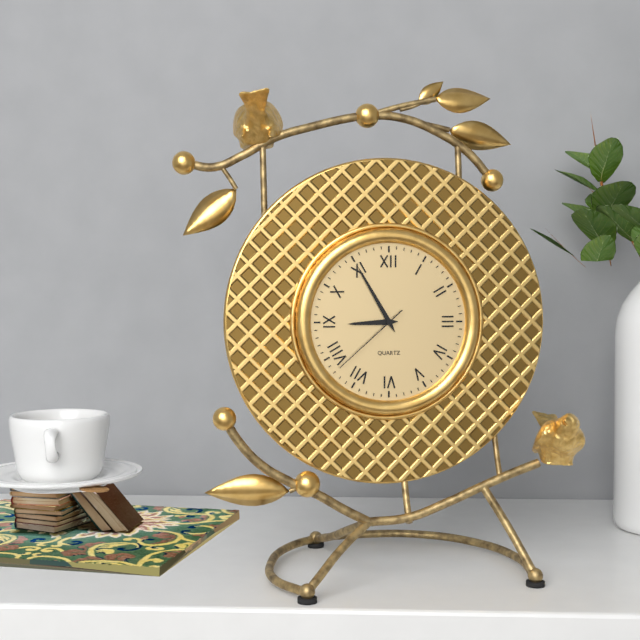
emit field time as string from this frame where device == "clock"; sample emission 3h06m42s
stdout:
8h55m38s
